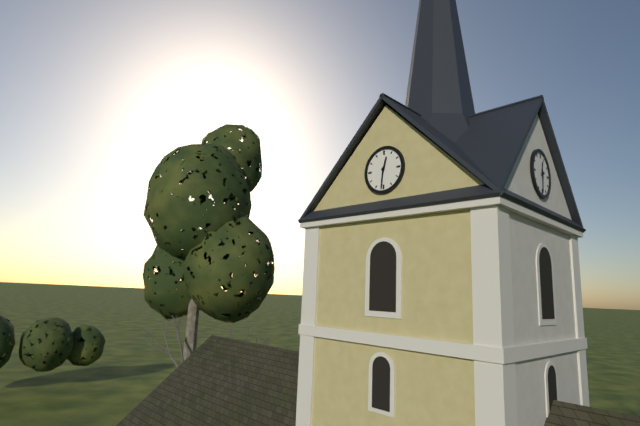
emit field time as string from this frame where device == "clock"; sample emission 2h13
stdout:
12h31
